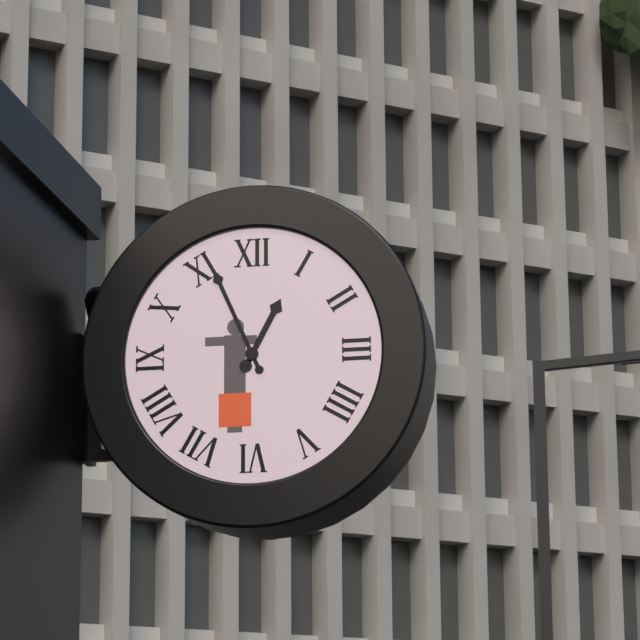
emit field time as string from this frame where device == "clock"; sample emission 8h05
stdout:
12h56
